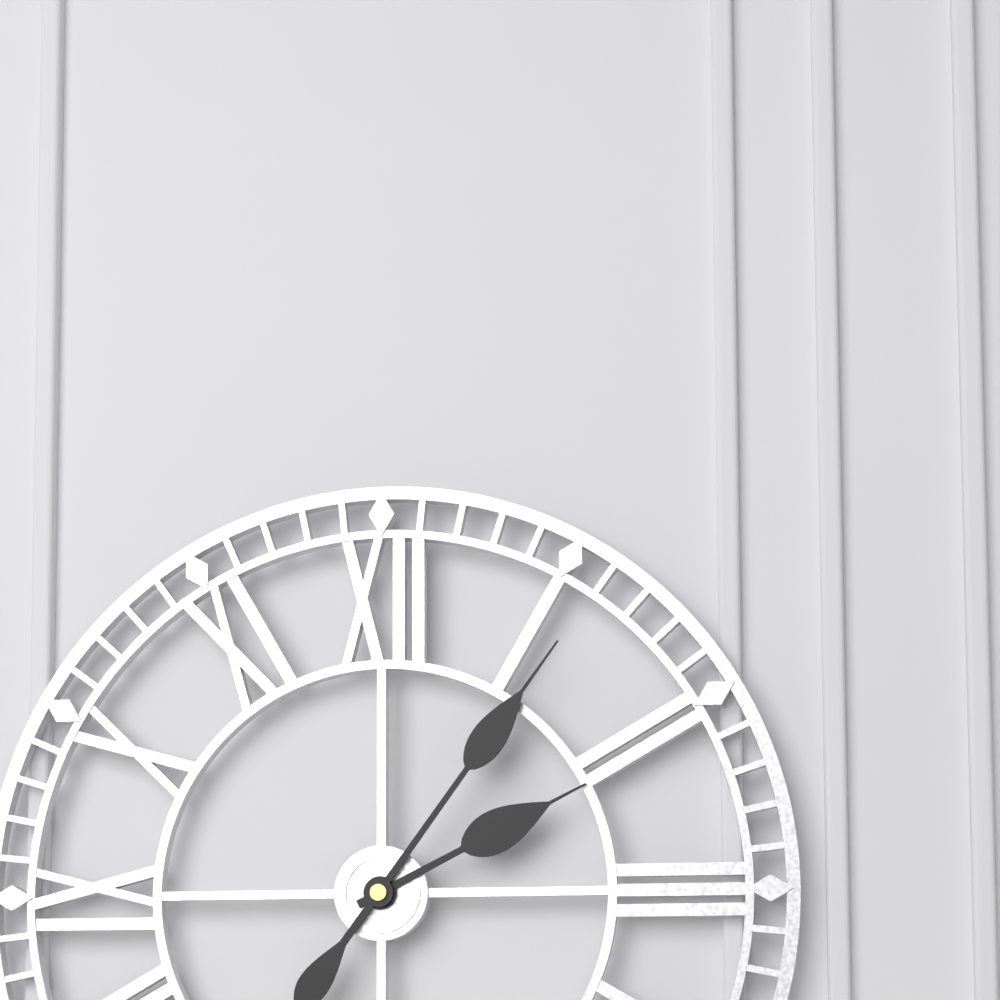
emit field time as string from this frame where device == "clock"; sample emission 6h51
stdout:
2h06
